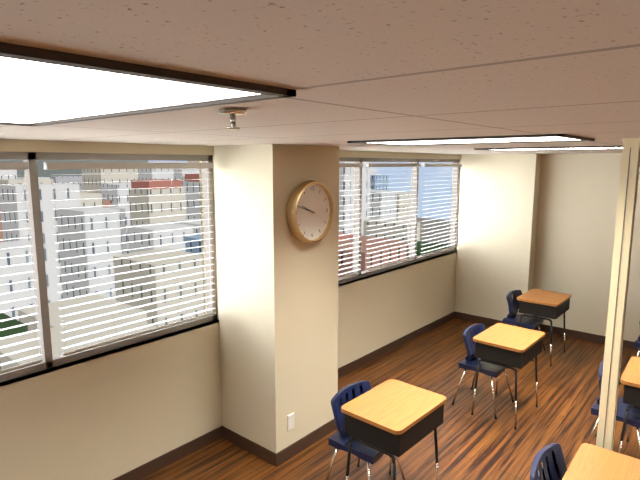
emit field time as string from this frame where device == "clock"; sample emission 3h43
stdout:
9h48
